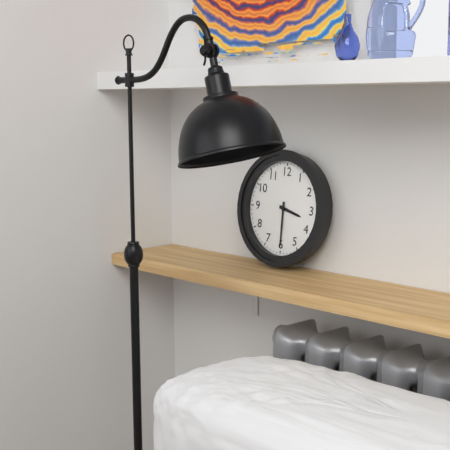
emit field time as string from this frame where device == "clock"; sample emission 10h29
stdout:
3h30
